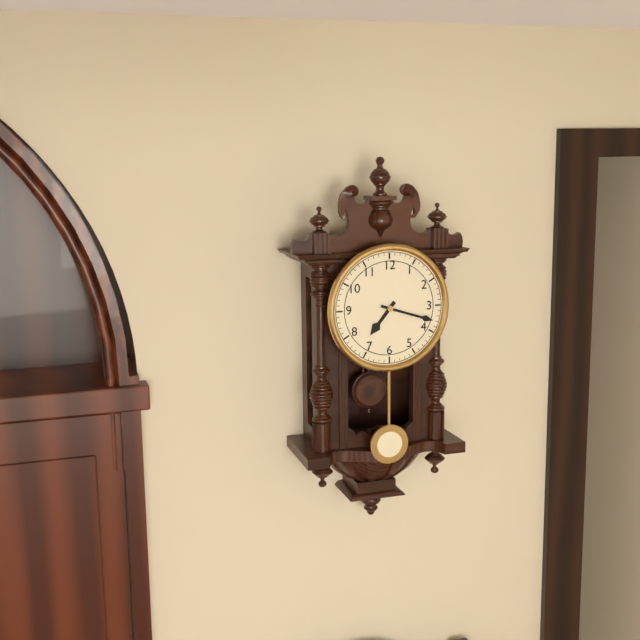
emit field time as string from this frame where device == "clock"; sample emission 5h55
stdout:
7h18
